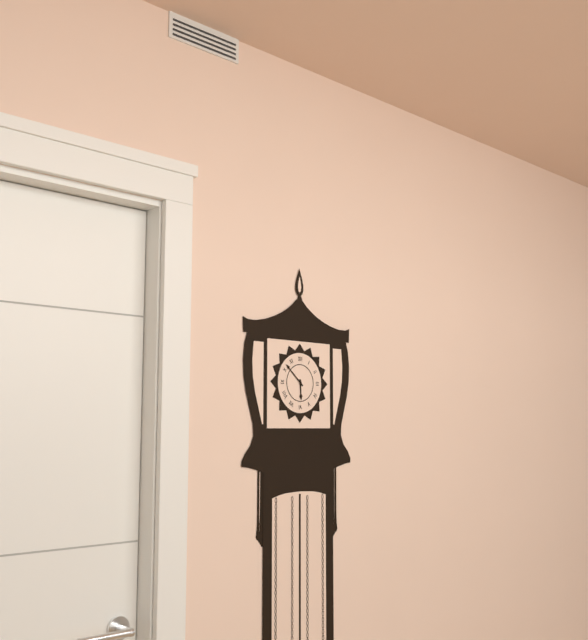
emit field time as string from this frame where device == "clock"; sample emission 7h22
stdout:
5h52
